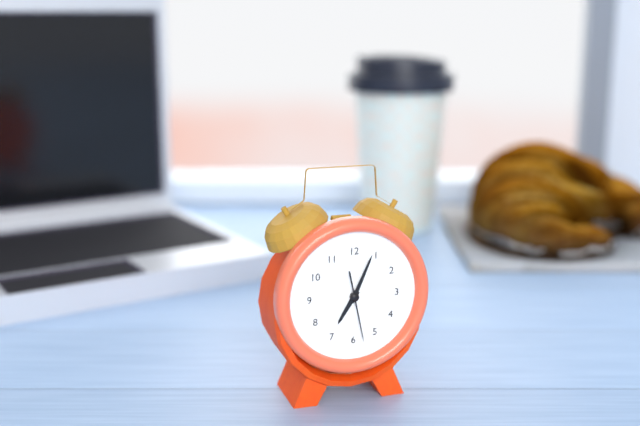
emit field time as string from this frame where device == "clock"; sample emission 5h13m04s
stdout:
7h04m28s
